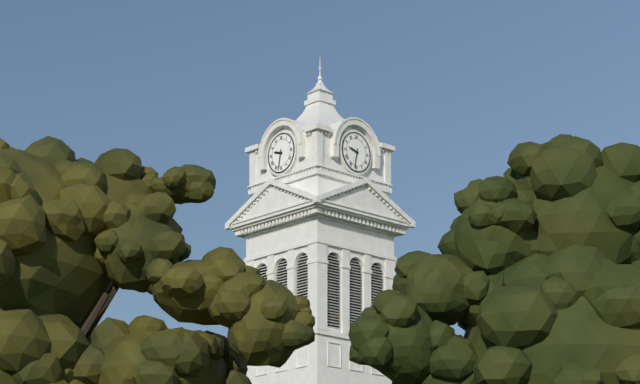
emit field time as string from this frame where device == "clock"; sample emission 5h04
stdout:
9h32
